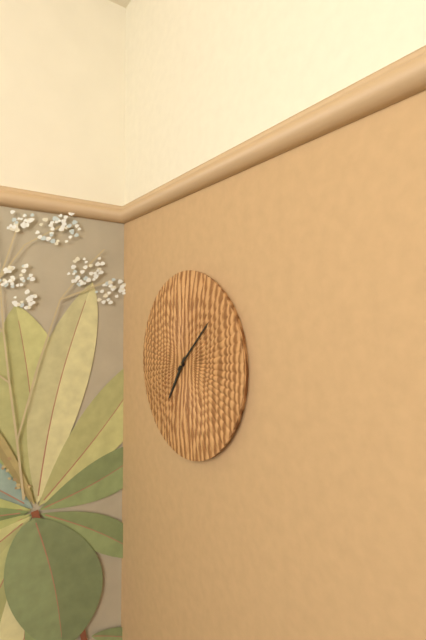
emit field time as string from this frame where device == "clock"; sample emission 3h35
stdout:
7h08
